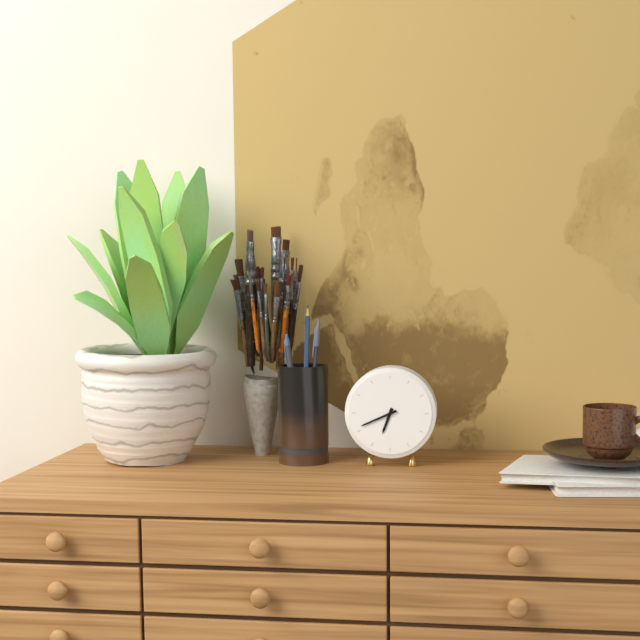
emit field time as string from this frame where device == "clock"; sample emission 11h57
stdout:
6h41
